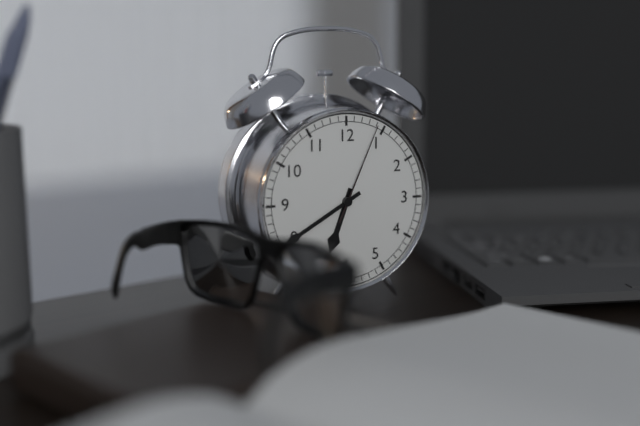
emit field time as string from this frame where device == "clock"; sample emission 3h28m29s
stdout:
6h40m04s
